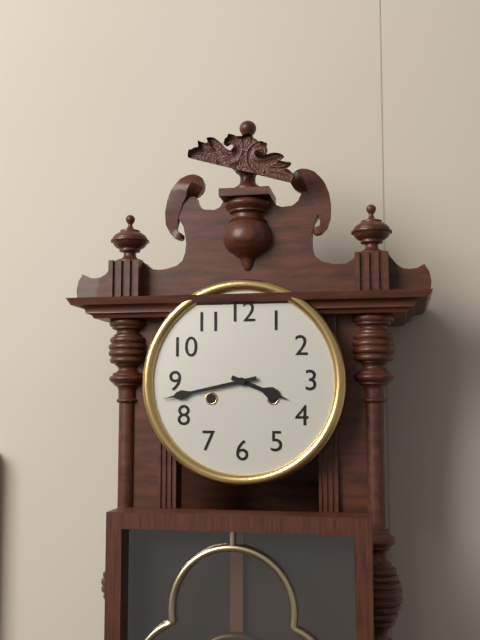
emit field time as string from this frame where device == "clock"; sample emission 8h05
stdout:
3h43
